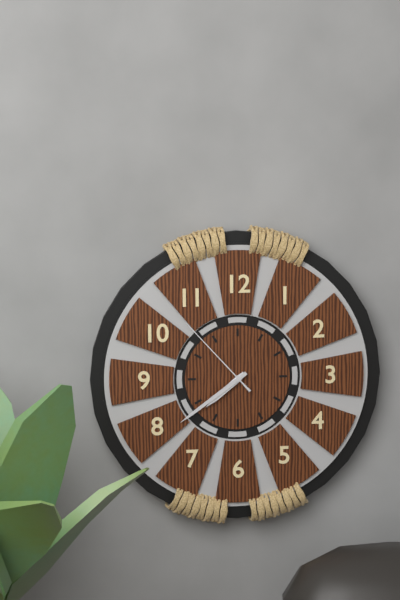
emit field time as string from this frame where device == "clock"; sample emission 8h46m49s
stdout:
7h39m53s
